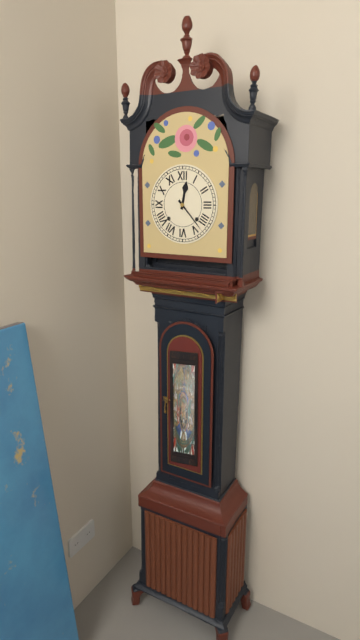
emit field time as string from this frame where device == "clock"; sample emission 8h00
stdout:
12h23
